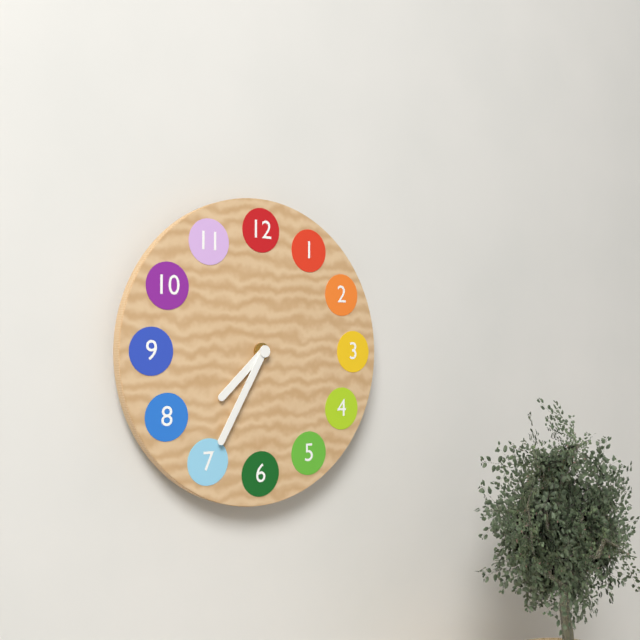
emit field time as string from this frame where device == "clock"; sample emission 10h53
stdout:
7h35
